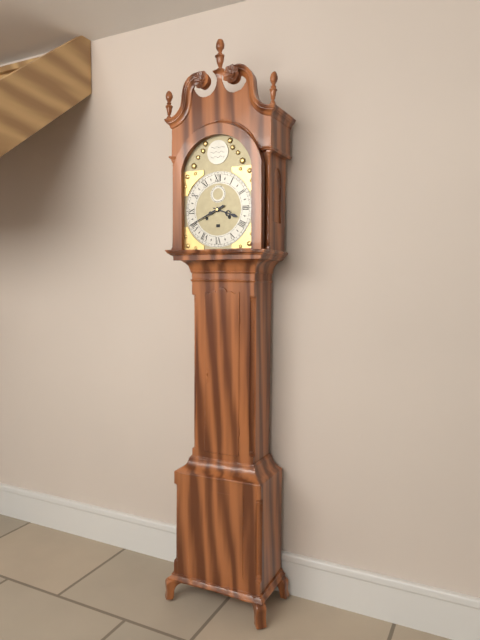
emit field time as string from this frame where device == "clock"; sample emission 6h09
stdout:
3h41
